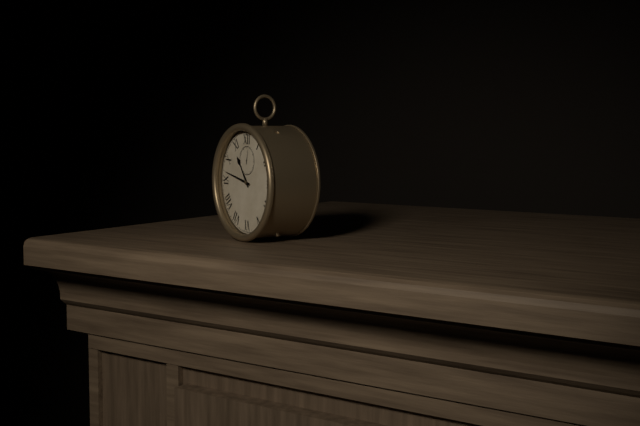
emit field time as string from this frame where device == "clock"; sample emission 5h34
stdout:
10h47
